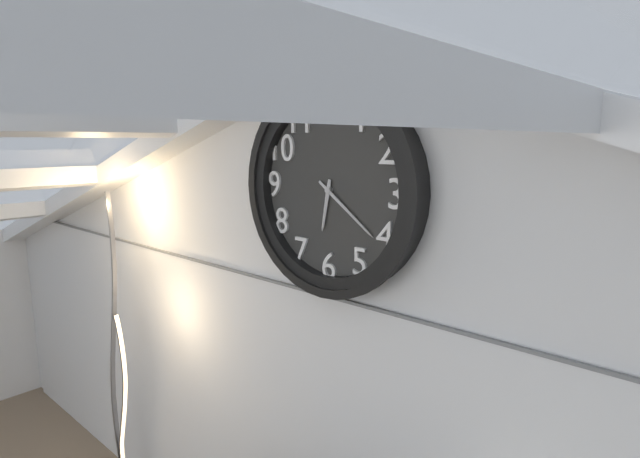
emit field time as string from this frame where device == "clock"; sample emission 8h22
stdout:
6h21
